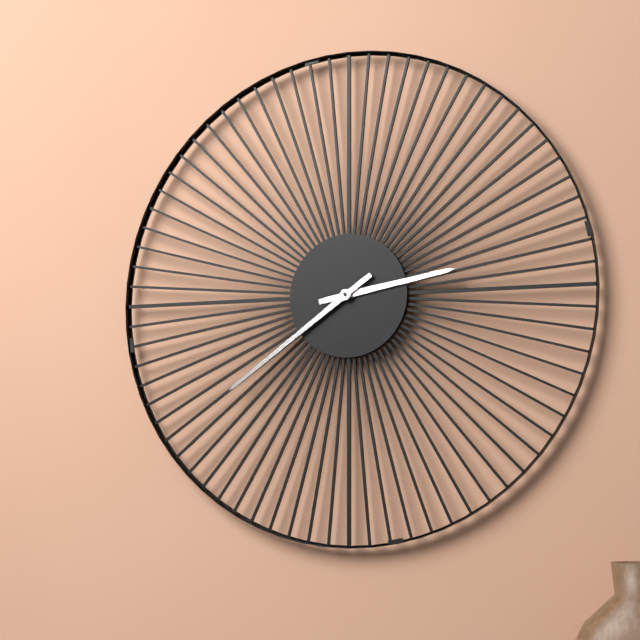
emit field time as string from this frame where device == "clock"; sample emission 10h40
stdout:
2h39
